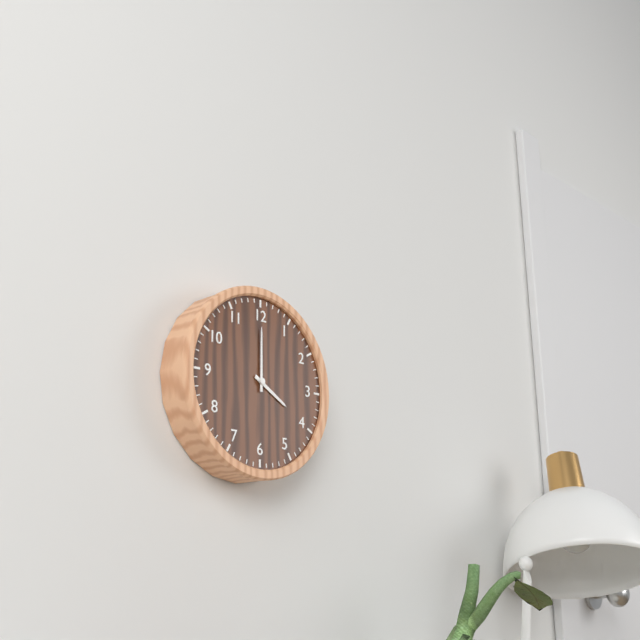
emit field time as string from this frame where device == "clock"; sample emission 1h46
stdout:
4h00
